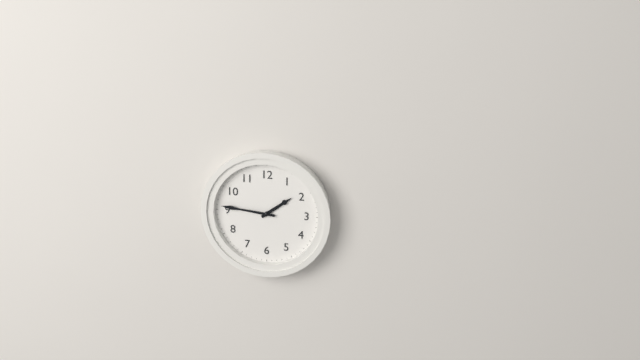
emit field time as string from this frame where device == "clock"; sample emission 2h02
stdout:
1h46
